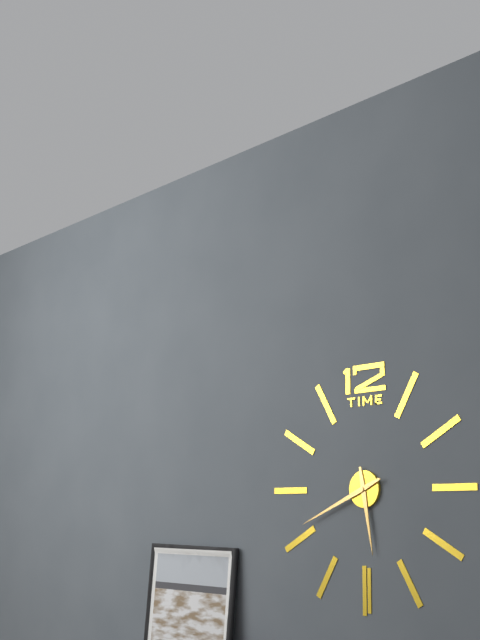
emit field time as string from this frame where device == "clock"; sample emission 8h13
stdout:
5h41
